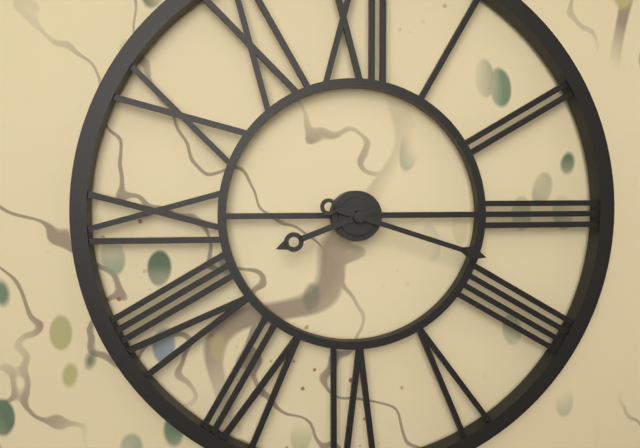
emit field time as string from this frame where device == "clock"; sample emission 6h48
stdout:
8h18
